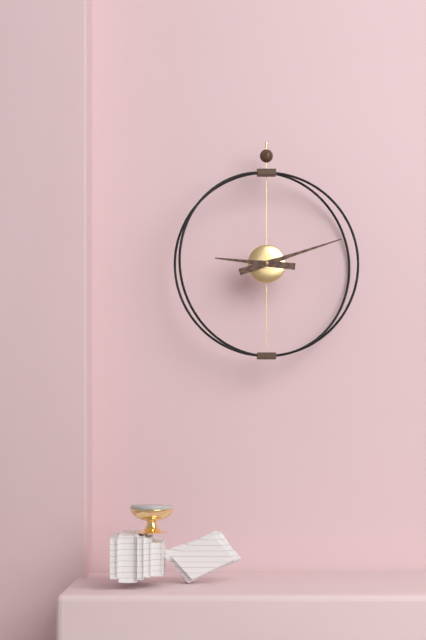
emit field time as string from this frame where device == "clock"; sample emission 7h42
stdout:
9h12
